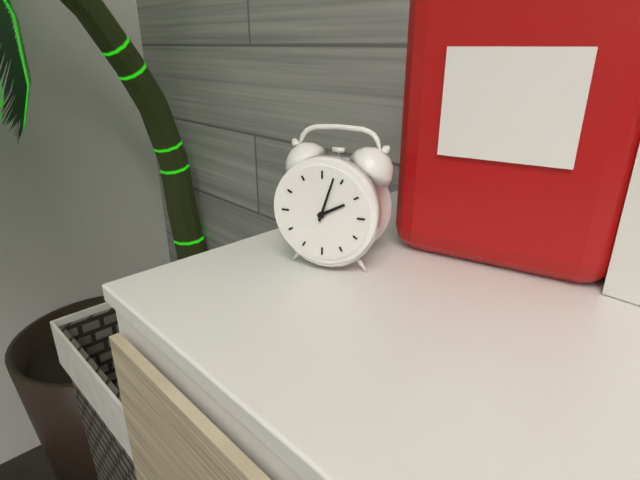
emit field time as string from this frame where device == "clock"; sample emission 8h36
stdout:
2h03
